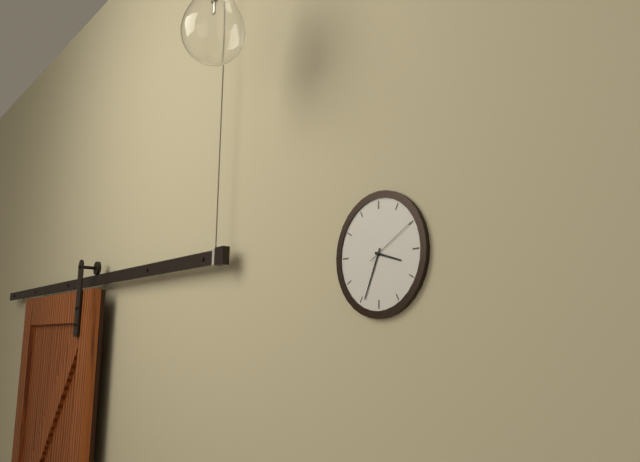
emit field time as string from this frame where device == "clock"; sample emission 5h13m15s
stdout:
3h34m10s
